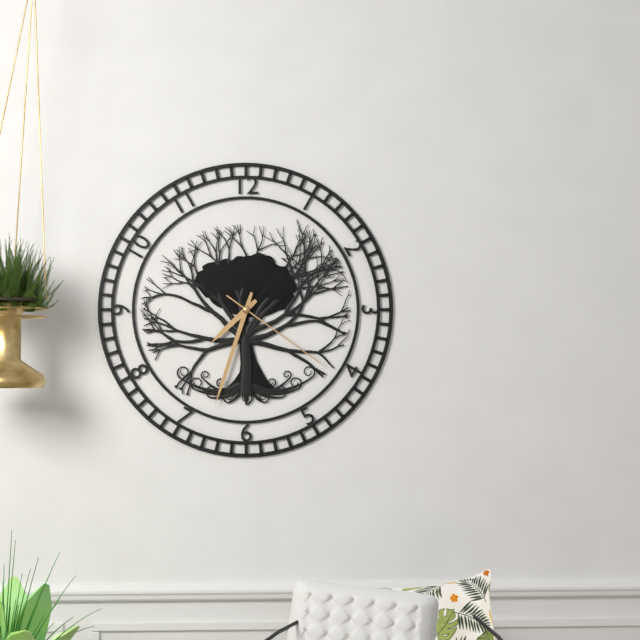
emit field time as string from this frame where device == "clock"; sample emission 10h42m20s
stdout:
7h33m21s
